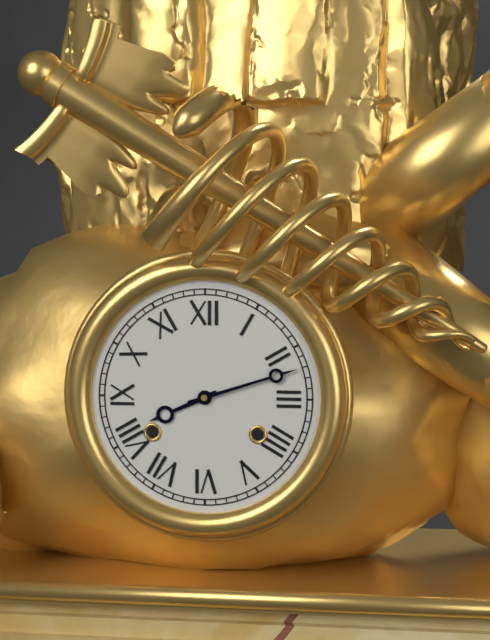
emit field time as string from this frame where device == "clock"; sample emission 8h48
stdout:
8h12
